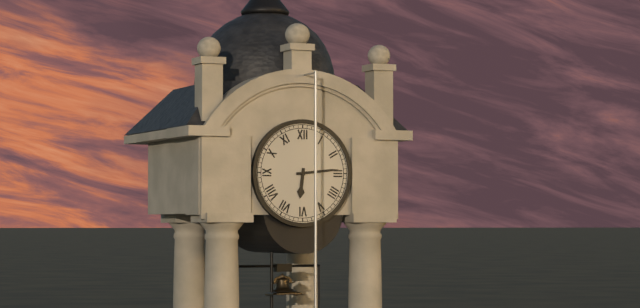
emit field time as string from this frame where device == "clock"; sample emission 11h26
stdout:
6h14
